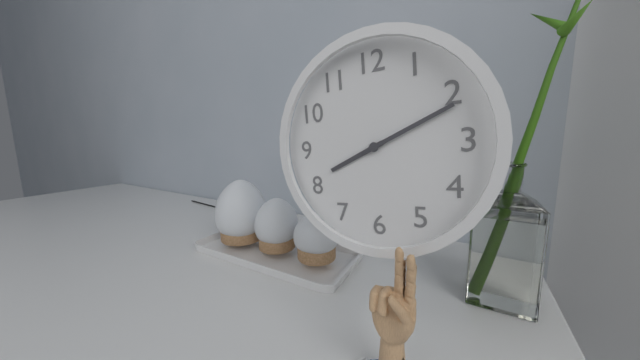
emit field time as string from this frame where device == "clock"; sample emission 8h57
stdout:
8h11
